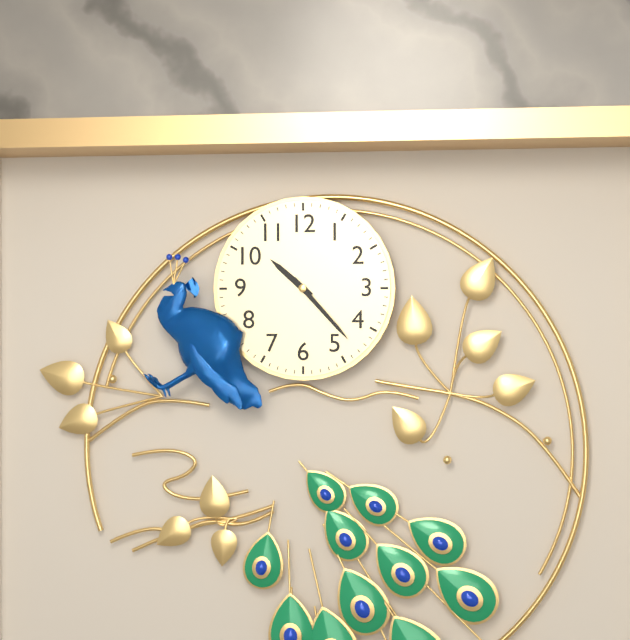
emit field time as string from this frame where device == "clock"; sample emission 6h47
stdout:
10h23
